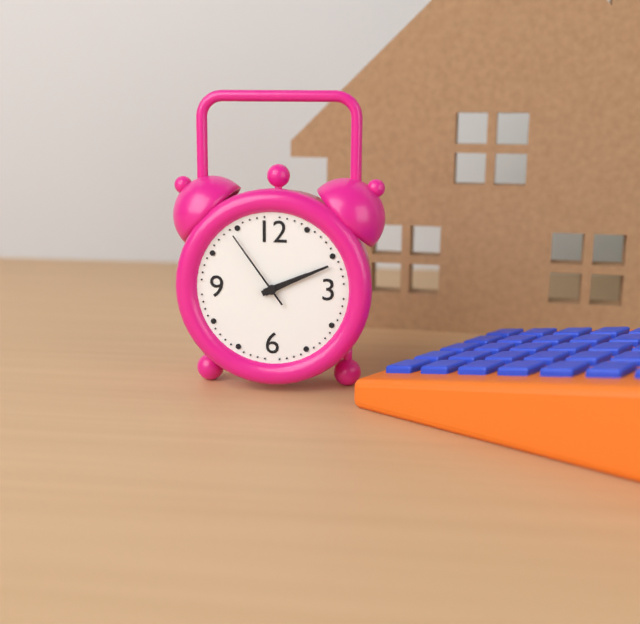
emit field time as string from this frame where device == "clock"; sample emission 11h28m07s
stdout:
2h11m54s
